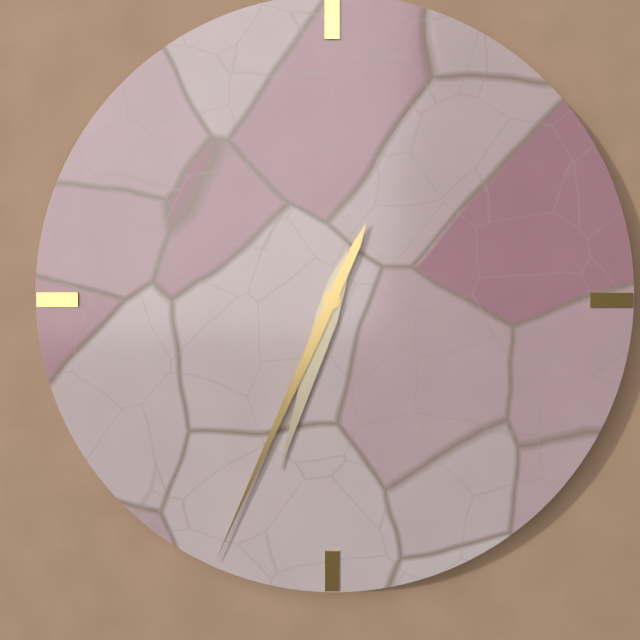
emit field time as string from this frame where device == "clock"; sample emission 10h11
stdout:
6h34
